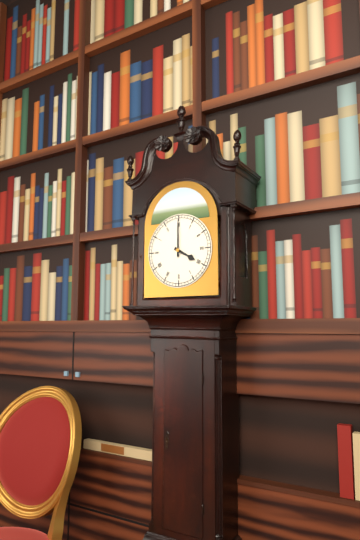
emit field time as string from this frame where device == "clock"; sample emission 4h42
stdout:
4h00
